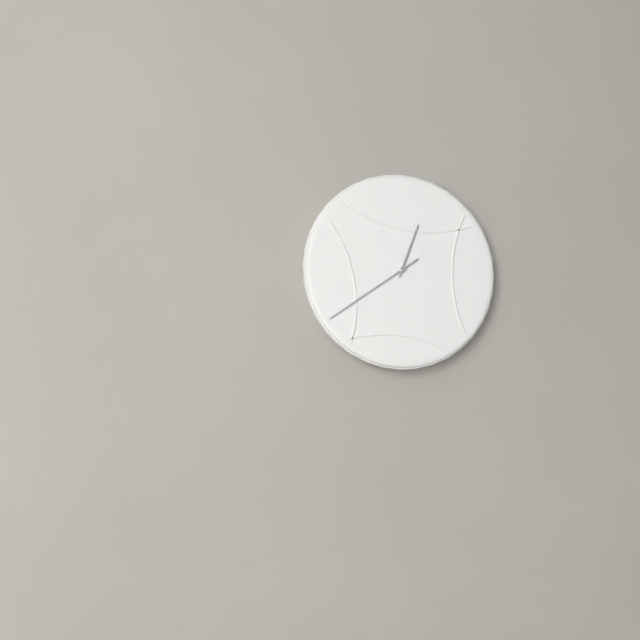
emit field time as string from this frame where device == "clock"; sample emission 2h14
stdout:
12h39
